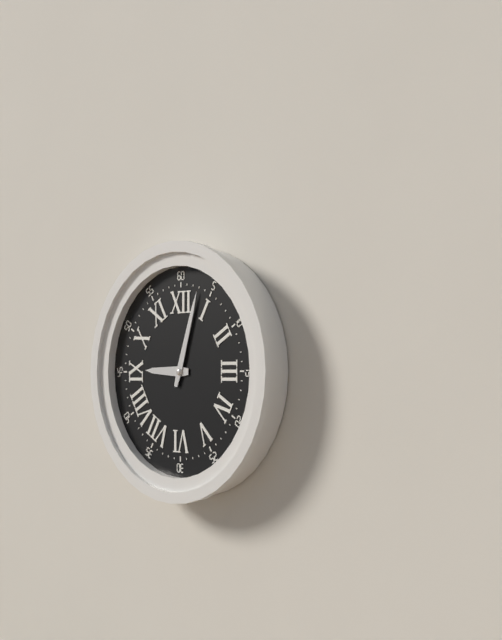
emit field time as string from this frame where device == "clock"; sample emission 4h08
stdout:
9h03
